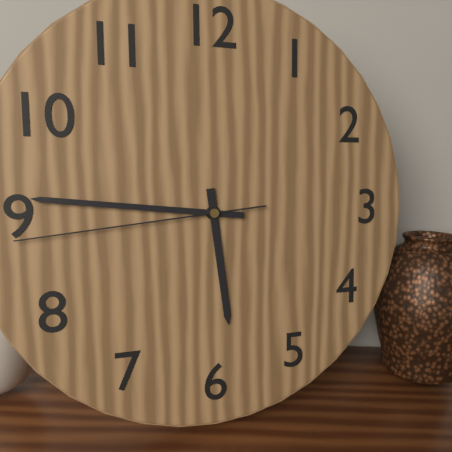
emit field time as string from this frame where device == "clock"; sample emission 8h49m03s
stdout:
5h46m44s
